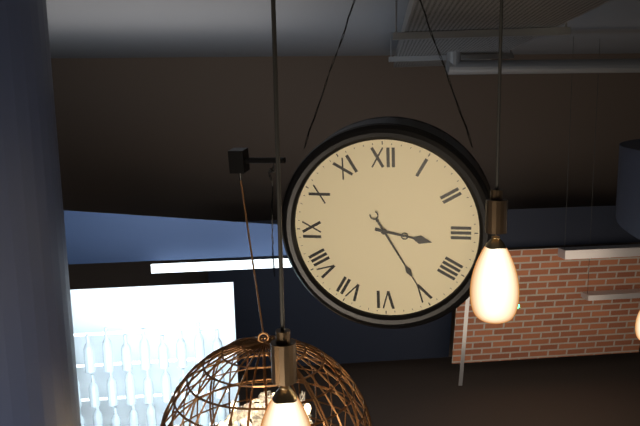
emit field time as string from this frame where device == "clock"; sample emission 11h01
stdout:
3h25
